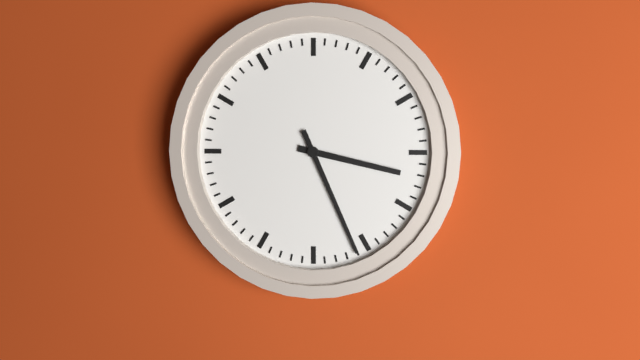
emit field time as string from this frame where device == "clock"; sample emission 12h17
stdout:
3h26
